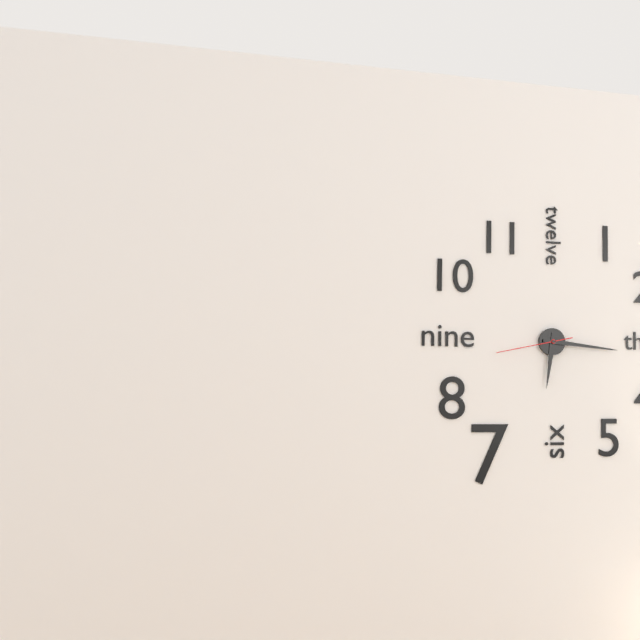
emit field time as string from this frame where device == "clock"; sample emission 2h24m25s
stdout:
6h16m43s
